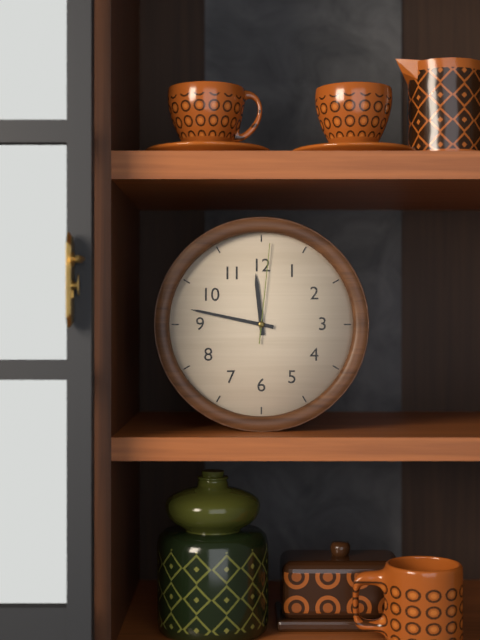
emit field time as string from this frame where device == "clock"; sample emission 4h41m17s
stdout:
11h47m01s
